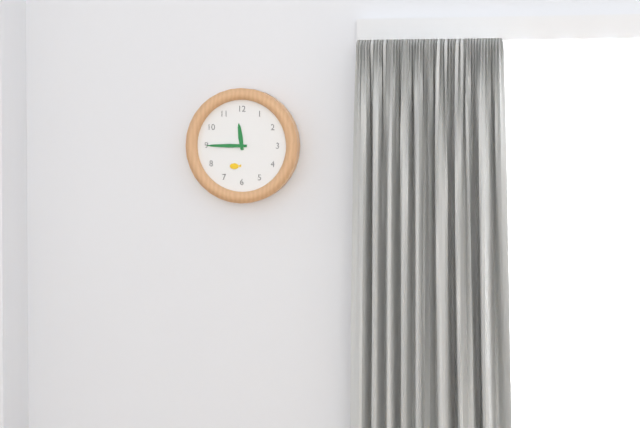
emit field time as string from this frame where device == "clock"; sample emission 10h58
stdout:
11h45
